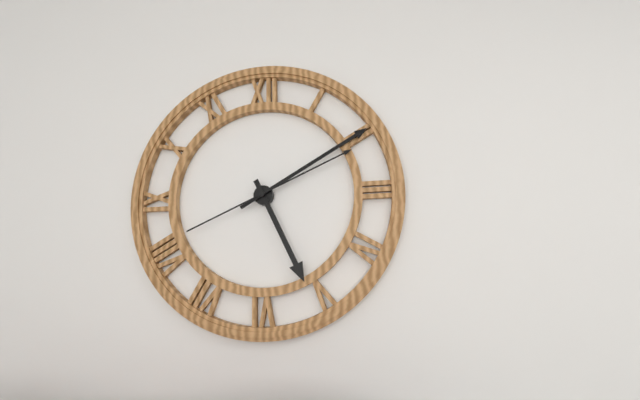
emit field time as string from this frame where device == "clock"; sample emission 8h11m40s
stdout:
5h10m11s
